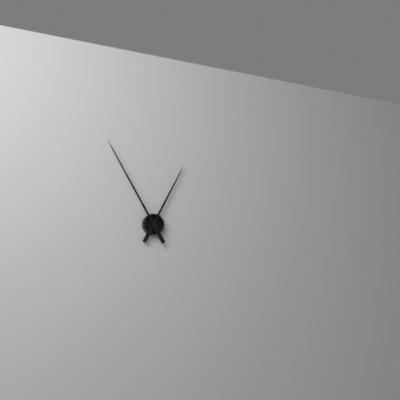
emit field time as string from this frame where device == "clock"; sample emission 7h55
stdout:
12h55
